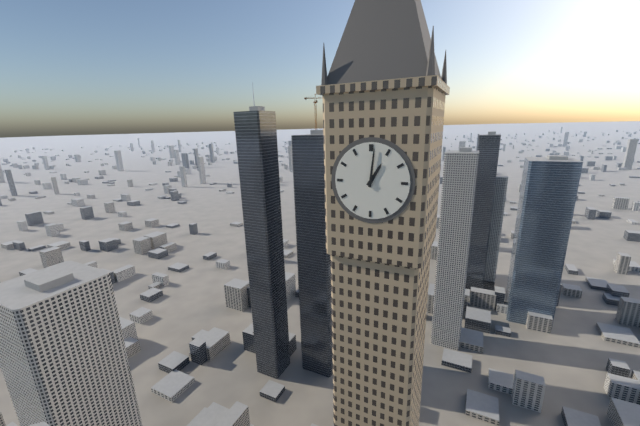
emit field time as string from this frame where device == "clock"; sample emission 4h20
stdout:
1h01
